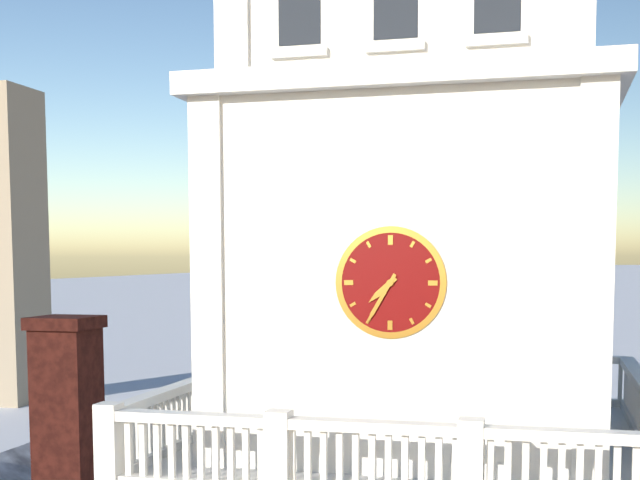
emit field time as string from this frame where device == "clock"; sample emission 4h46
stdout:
7h35
